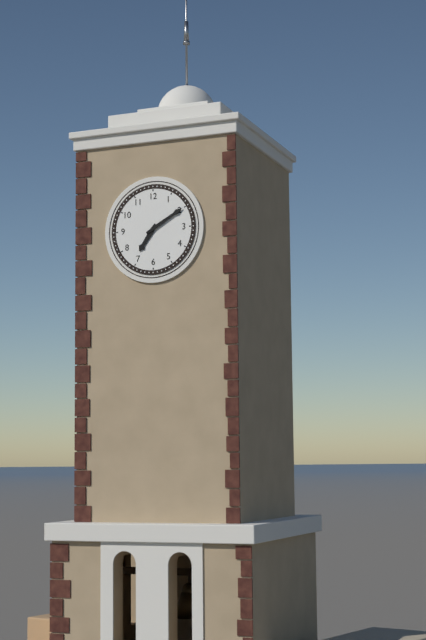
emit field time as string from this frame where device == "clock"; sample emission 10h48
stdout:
7h10
